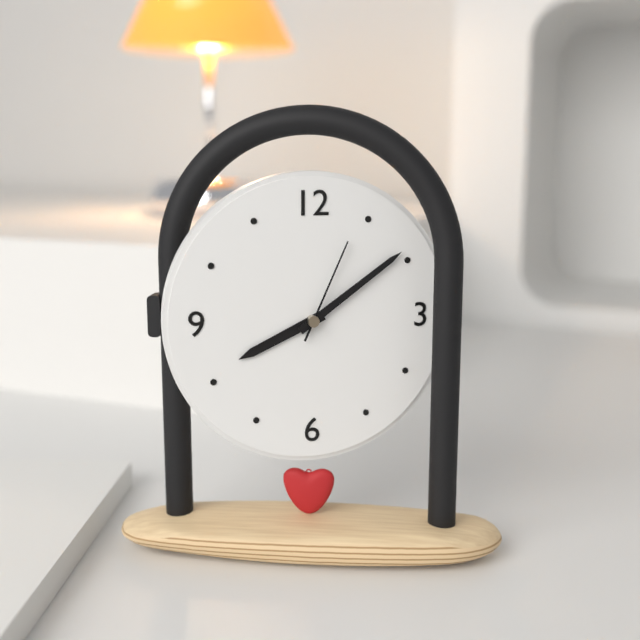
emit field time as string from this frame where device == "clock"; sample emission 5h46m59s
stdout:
8h09m04s
